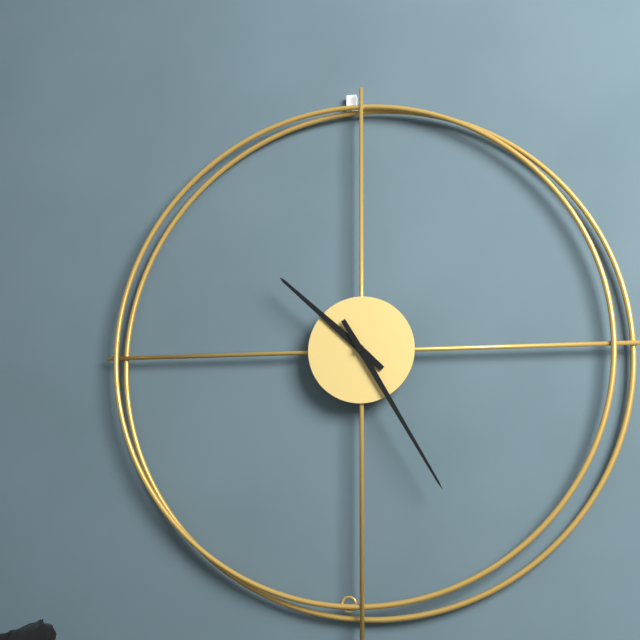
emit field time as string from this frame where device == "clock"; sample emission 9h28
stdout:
10h25
